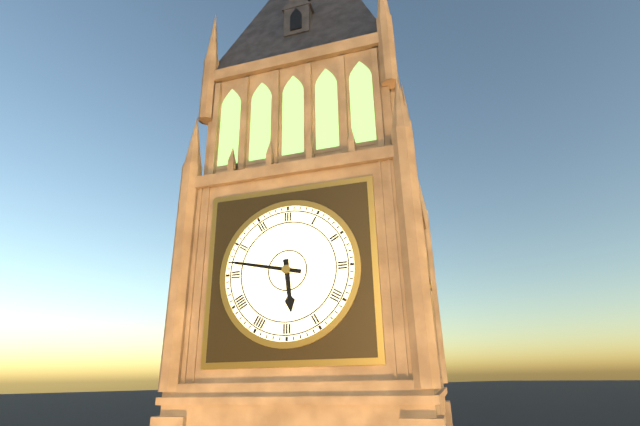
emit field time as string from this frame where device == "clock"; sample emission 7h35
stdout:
5h47
